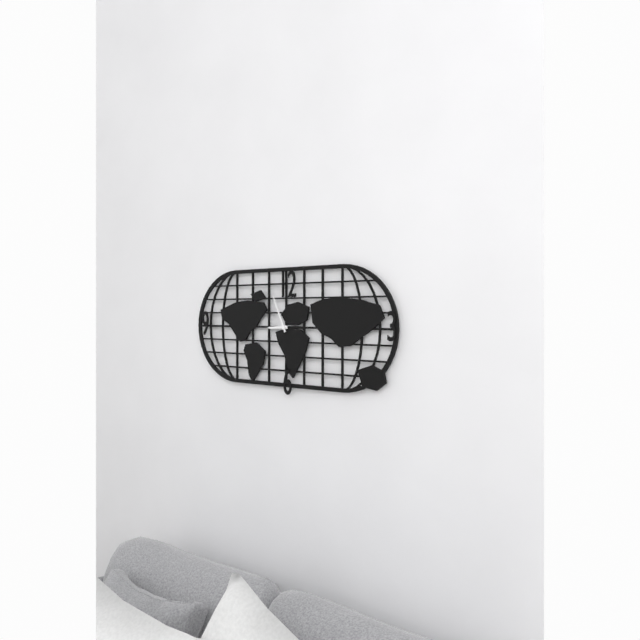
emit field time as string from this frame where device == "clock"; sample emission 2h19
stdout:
8h56
